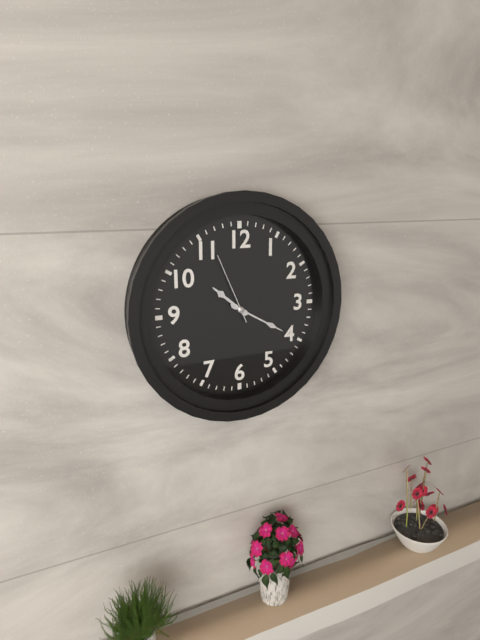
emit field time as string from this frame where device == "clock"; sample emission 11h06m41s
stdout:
10h20m56s
